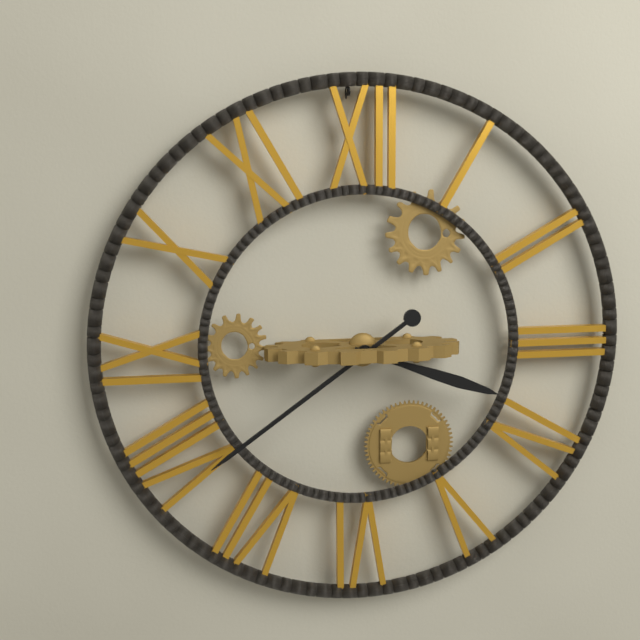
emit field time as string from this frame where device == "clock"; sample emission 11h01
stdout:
3h39
